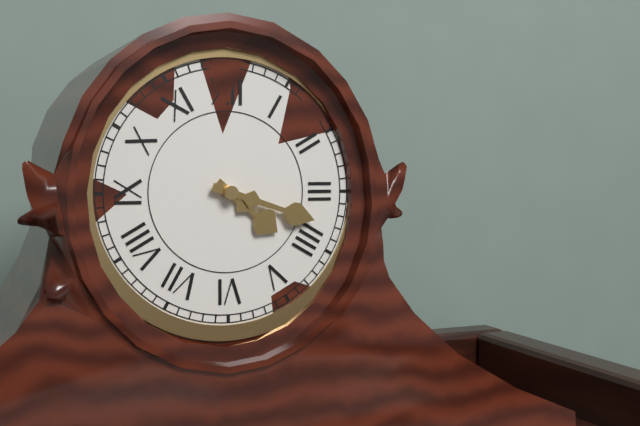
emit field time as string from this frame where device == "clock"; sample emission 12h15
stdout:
4h18
